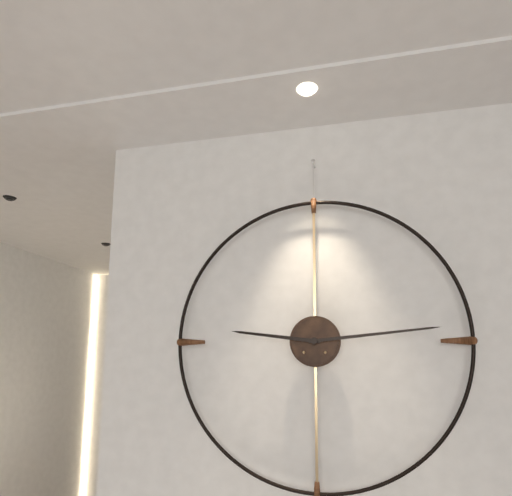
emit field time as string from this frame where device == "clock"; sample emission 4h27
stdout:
9h14
